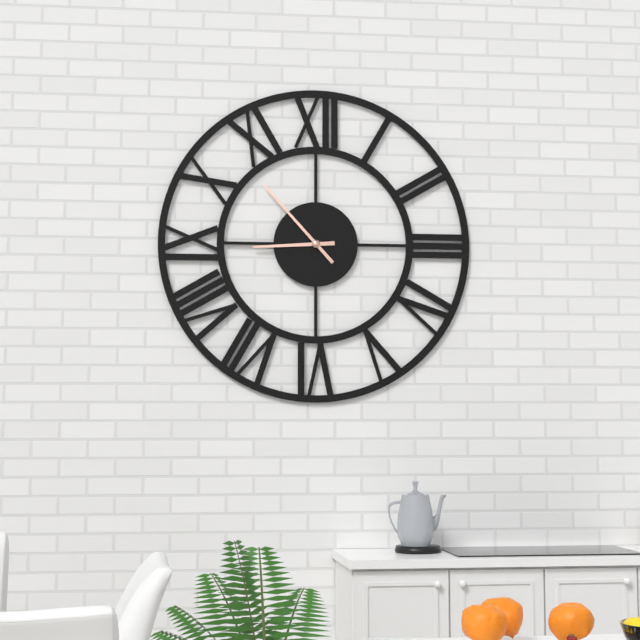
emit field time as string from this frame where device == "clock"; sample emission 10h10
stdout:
8h53
